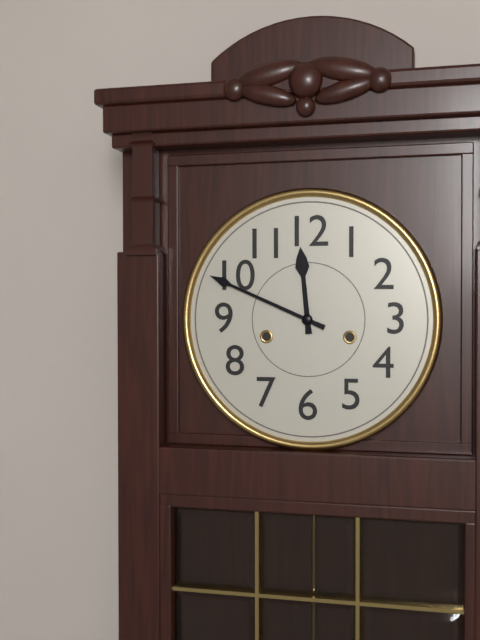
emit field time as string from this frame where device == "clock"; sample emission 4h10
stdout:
11h49
